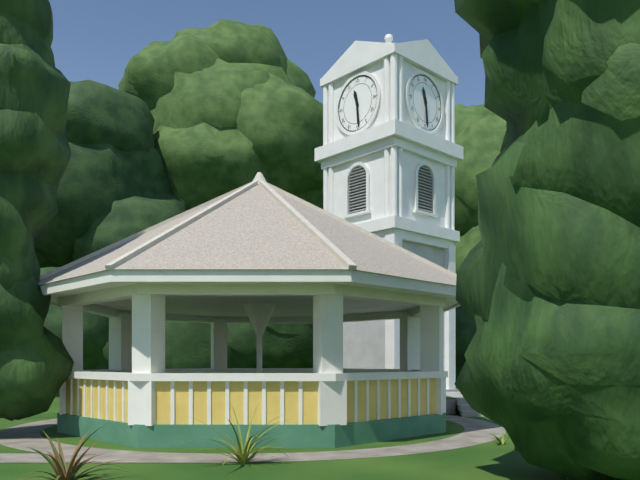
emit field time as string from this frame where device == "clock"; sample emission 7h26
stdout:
11h29
